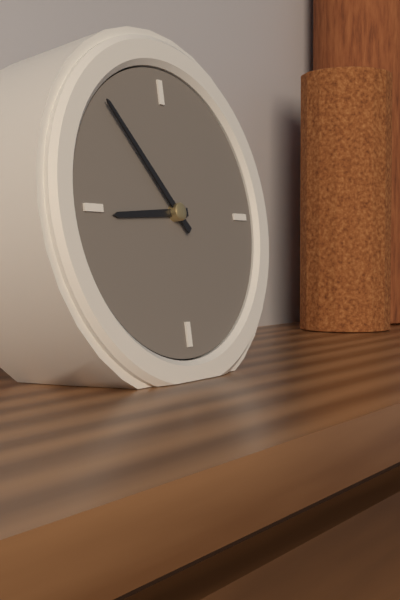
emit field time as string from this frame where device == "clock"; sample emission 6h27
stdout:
8h53
